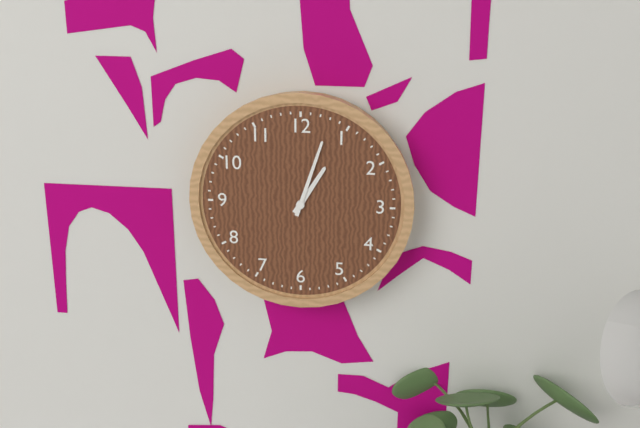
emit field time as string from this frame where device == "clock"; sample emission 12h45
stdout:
1h03
